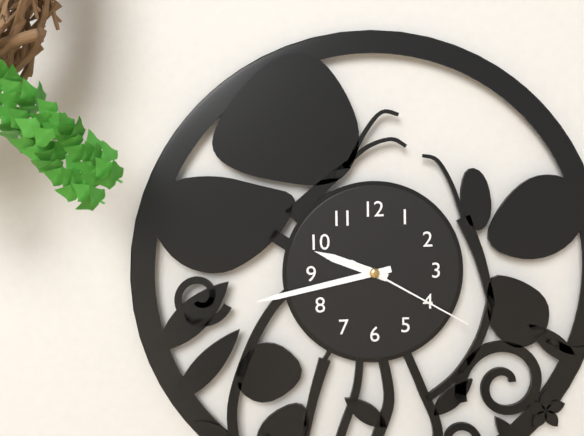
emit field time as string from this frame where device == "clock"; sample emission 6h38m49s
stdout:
9h43m20s
